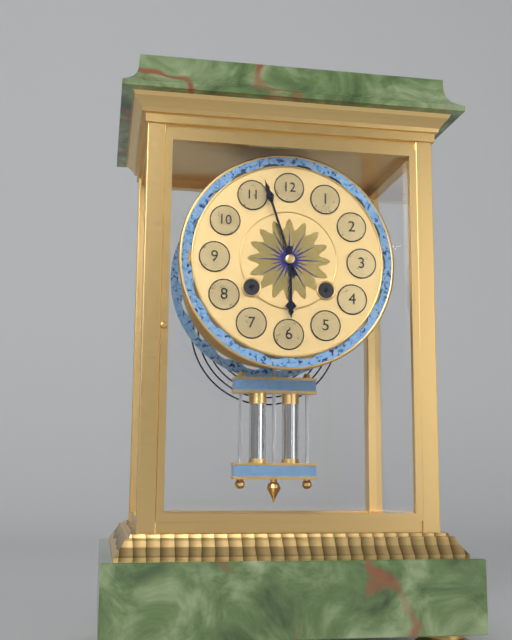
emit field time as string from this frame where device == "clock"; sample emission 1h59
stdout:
5h57
